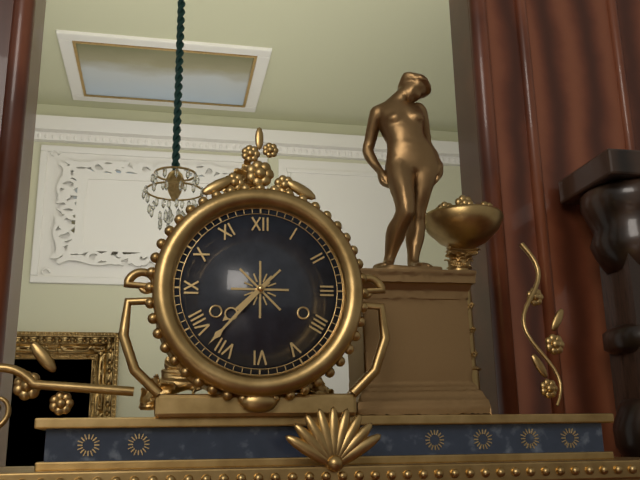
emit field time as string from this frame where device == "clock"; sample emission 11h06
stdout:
7h37
